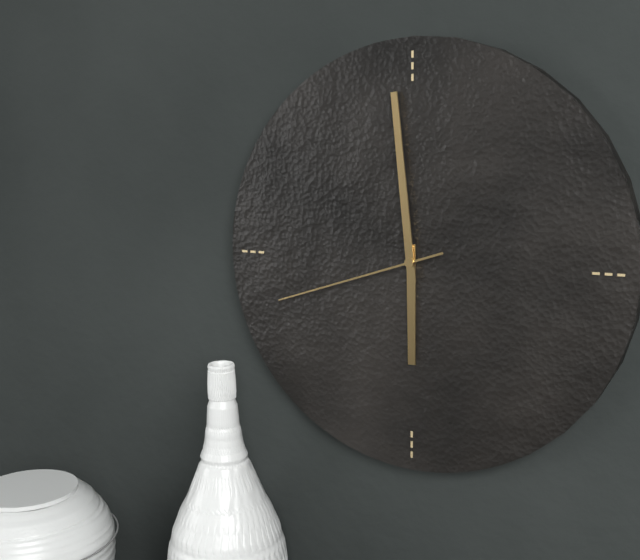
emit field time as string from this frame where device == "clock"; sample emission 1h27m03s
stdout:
5h59m42s
